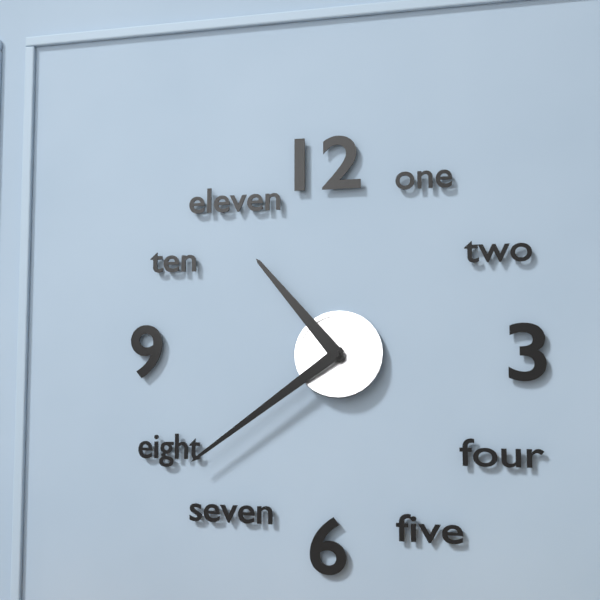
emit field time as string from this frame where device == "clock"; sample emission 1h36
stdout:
10h39
